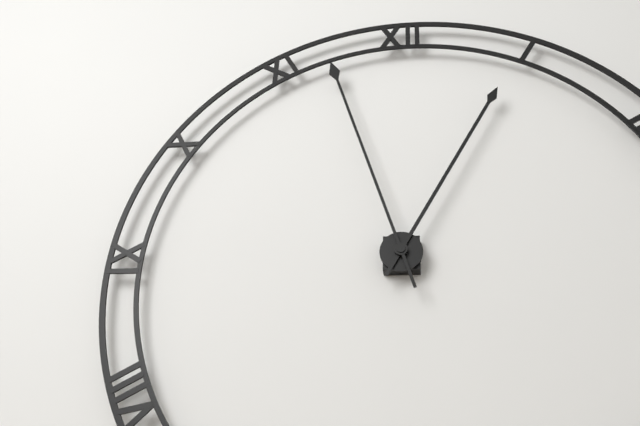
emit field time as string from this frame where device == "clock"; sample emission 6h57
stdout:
12h57
